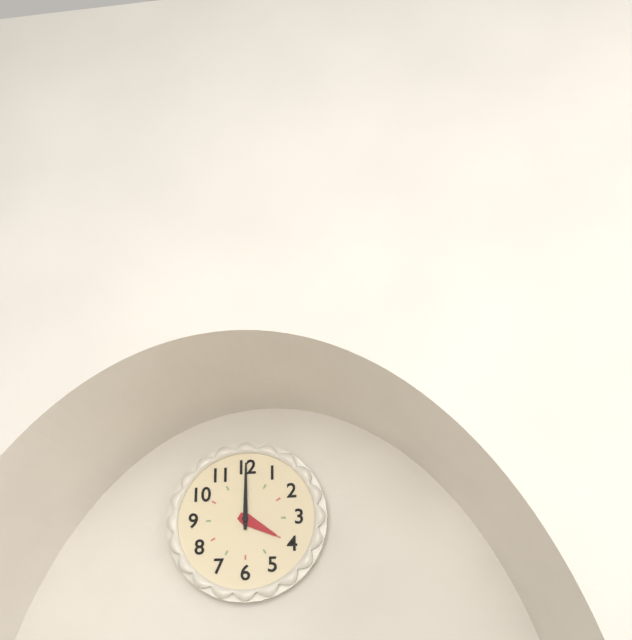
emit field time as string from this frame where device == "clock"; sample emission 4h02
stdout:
4h00
